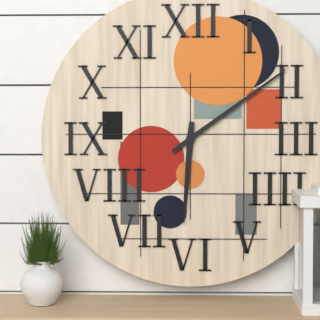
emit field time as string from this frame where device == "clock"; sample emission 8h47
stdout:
6h09
